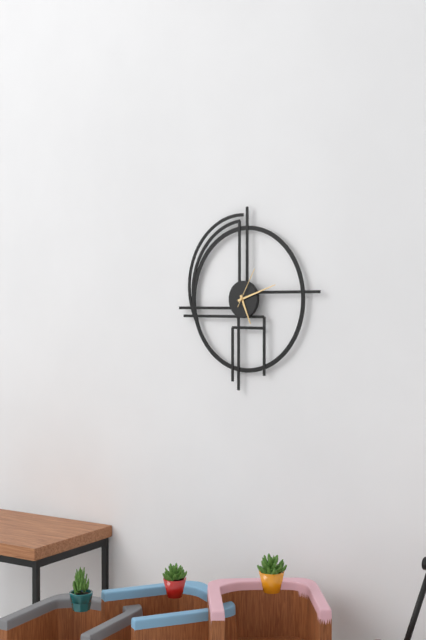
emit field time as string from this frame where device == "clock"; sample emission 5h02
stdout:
5h12
